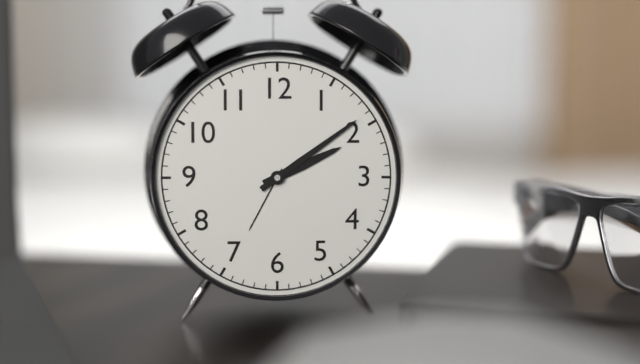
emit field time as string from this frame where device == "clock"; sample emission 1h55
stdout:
2h09
